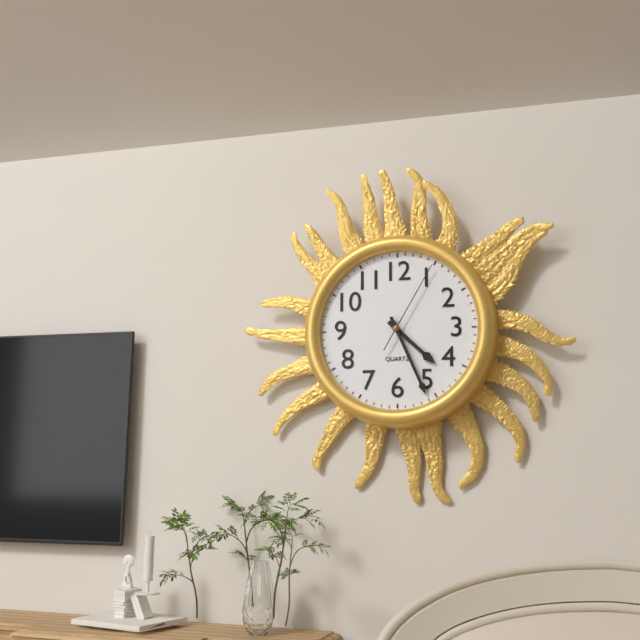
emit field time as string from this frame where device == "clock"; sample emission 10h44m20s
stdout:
4h26m05s
